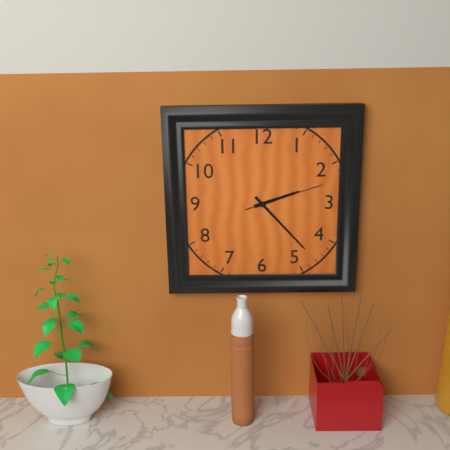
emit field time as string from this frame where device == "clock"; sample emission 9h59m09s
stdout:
2h23m12s
